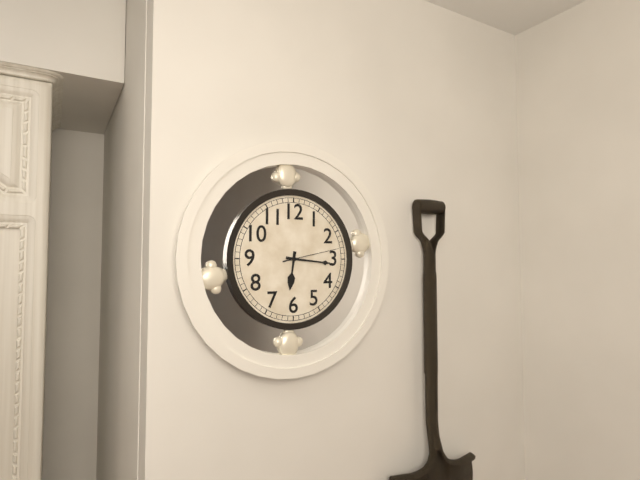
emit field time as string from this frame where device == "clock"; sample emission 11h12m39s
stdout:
6h16m13s
